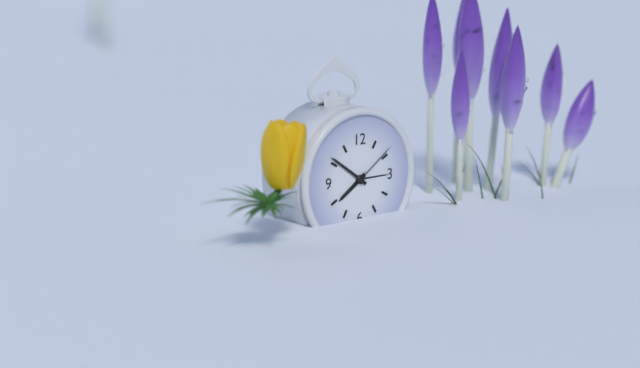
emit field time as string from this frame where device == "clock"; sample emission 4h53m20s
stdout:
7h51m09s
